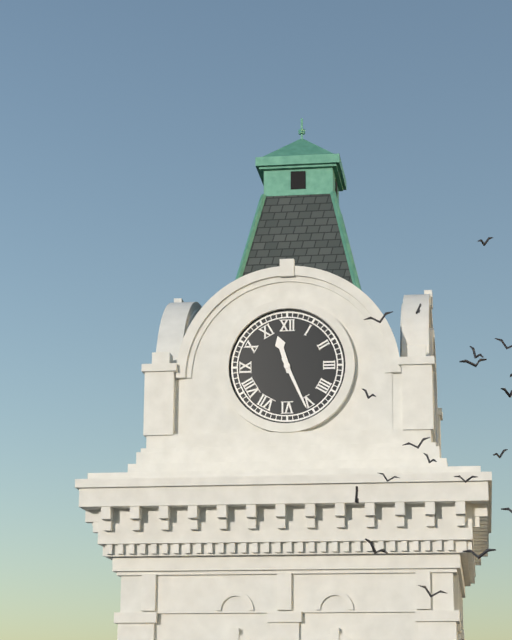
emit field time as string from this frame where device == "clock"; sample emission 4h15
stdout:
11h26
